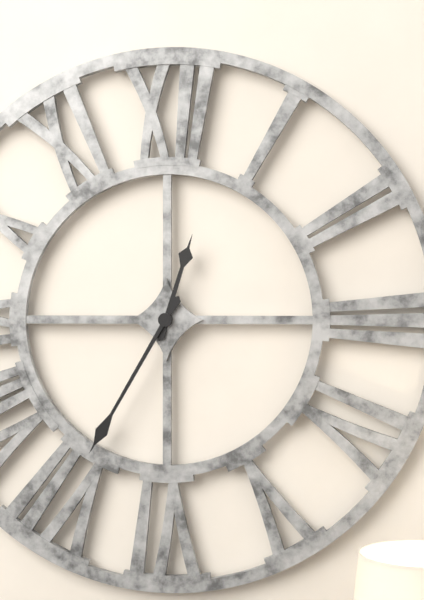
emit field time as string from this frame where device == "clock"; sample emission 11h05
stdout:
12h35
